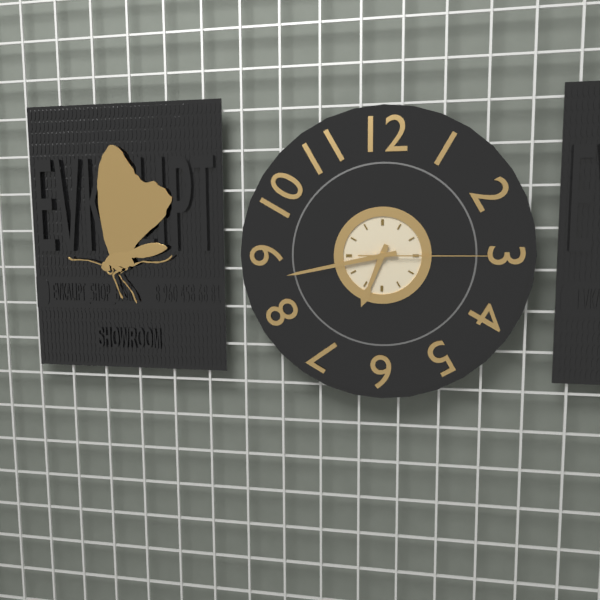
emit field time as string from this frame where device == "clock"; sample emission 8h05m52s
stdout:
6h43m15s
